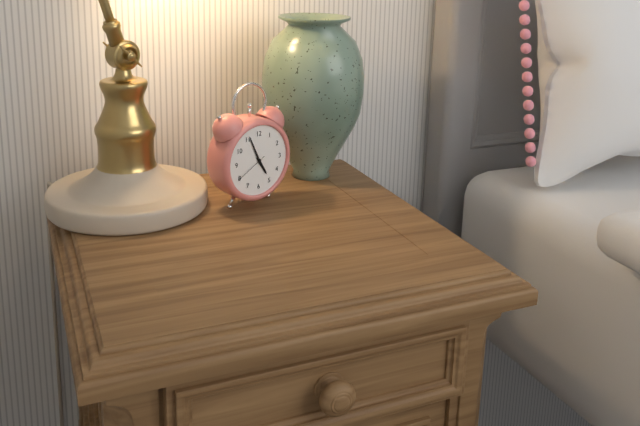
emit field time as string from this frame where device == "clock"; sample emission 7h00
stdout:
4h56
